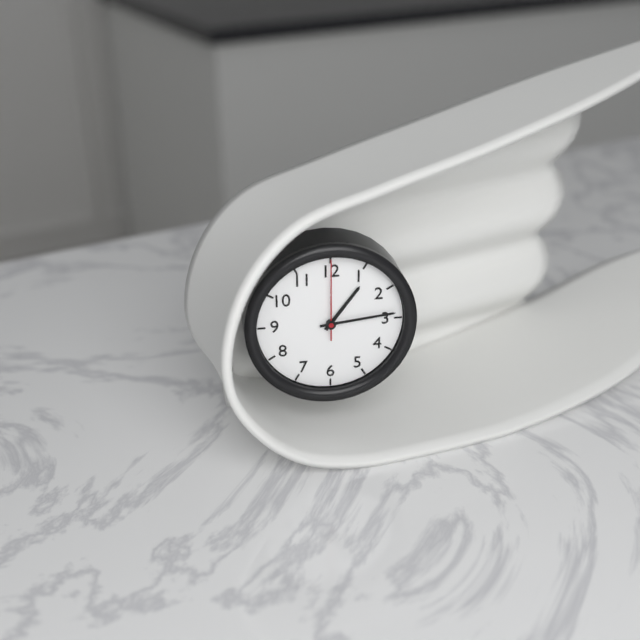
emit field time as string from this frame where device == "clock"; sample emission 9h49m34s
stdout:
1h14m00s
